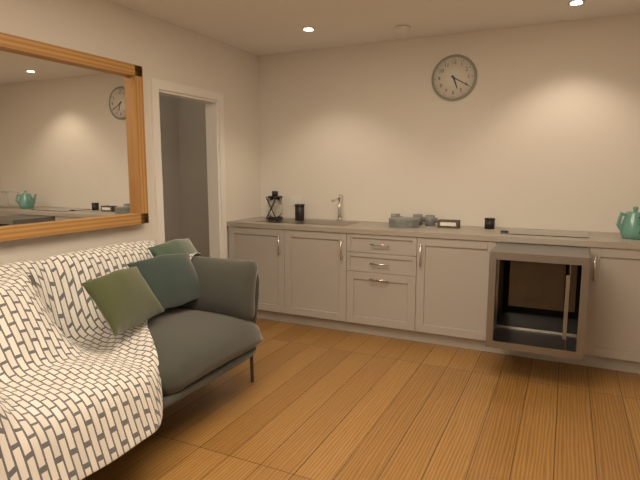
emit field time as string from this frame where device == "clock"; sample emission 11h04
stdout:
5h20
